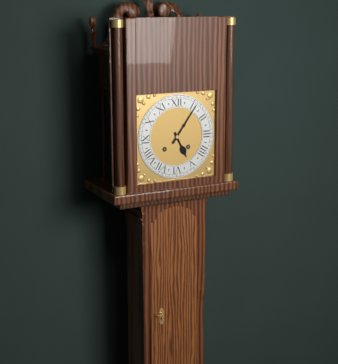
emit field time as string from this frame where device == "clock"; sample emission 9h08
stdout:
5h06
